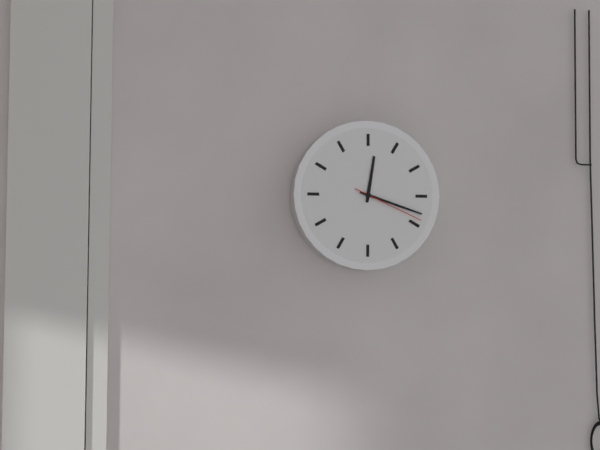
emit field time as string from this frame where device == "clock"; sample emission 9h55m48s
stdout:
12h18m19s
